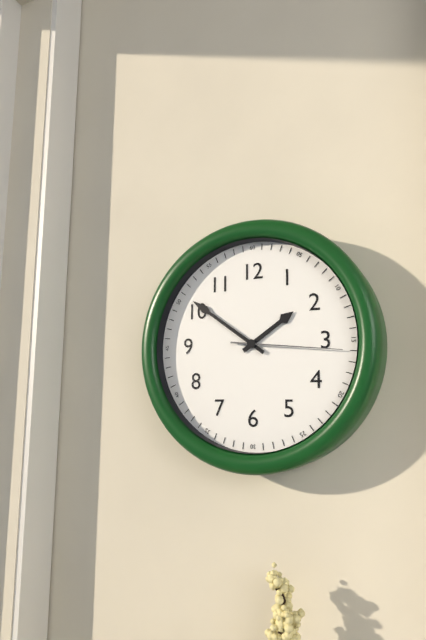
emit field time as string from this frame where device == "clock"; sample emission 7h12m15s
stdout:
1h51m16s
